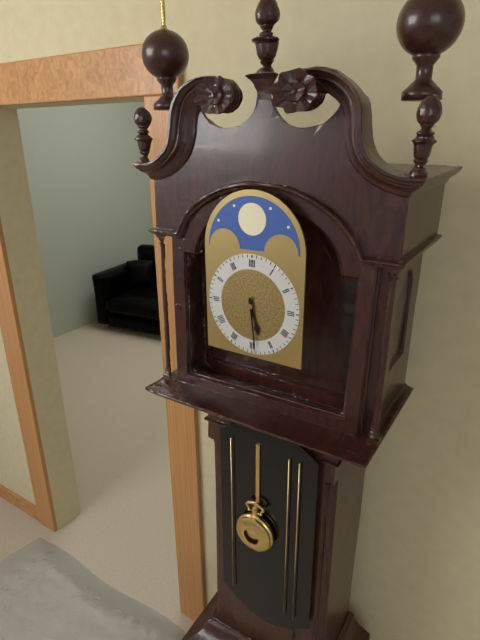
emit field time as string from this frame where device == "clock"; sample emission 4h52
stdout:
5h29
